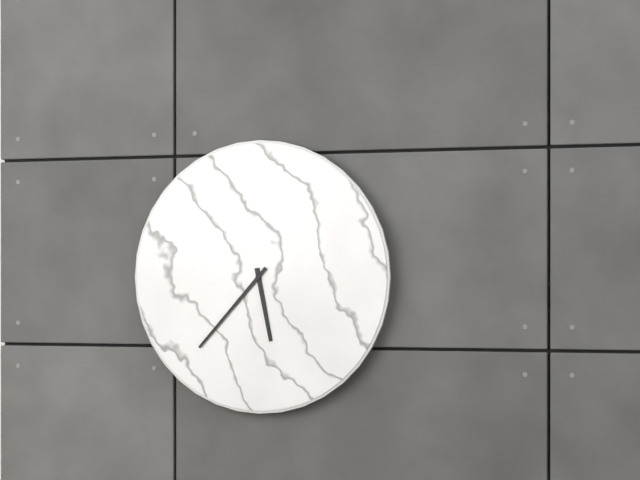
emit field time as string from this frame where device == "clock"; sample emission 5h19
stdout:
5h37
